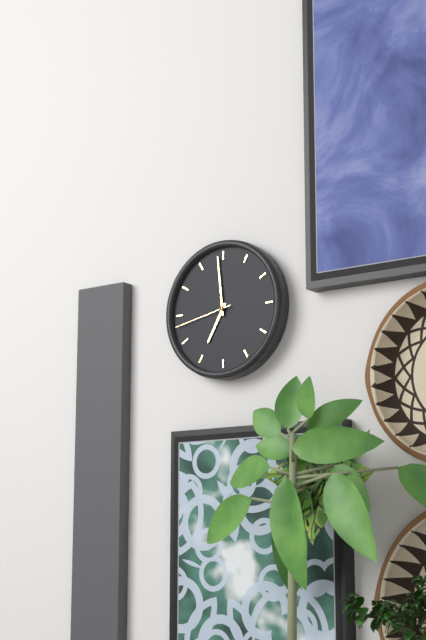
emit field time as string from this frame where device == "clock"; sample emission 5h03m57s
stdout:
6h59m43s
